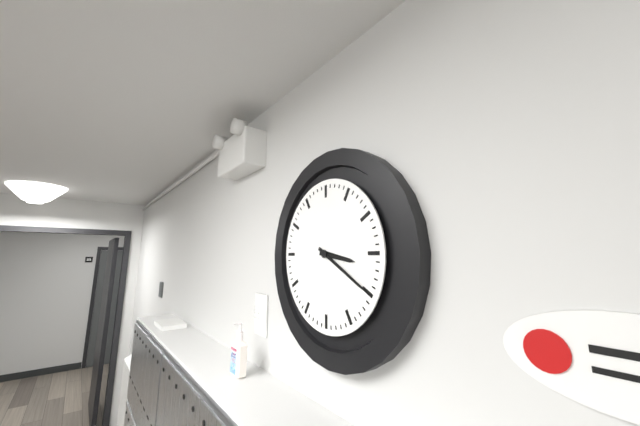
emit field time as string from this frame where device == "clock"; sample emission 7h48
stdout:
3h20
